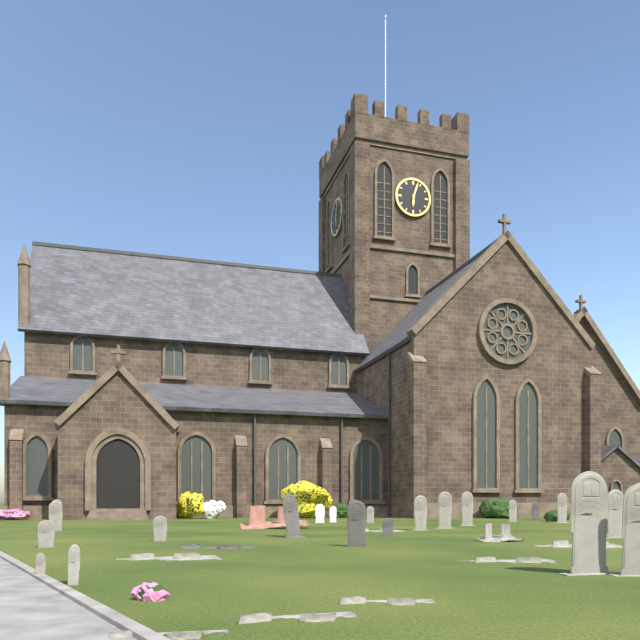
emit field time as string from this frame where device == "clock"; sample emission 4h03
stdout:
6h03
